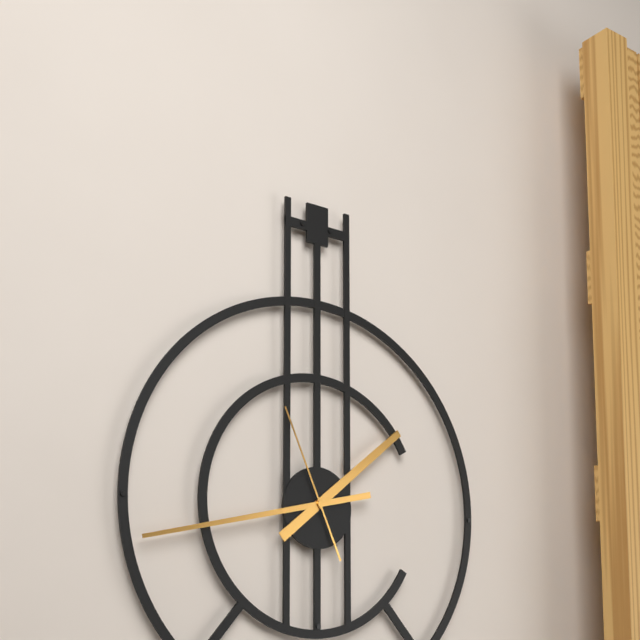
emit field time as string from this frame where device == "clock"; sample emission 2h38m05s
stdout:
1h43m56s
